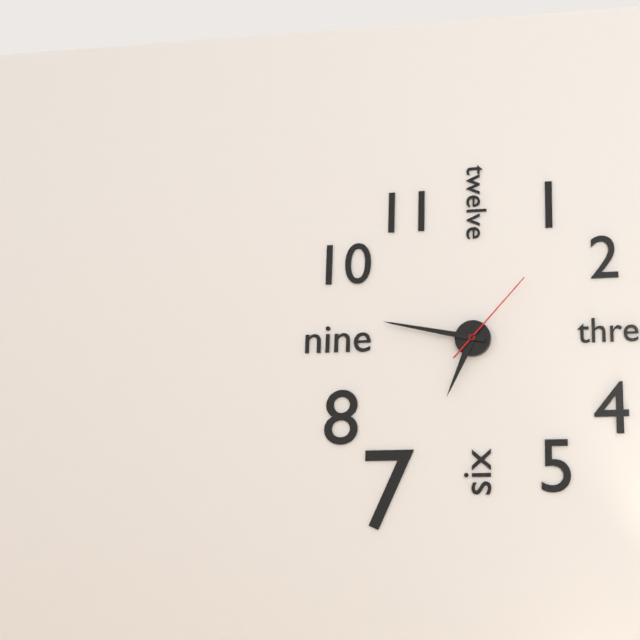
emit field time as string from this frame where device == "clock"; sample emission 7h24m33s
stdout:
6h47m07s
